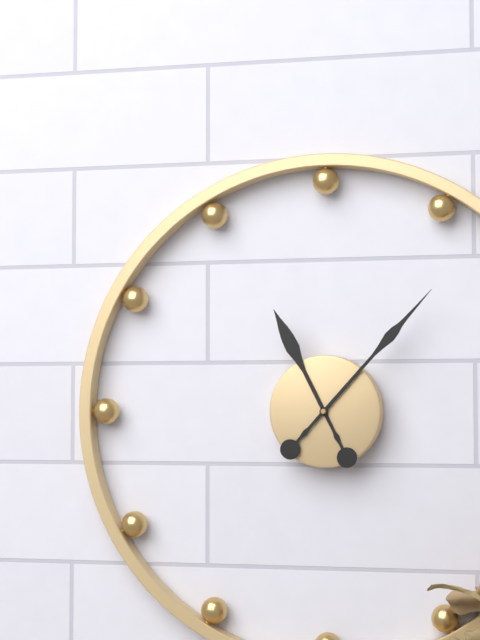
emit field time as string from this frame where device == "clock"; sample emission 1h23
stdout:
11h07
